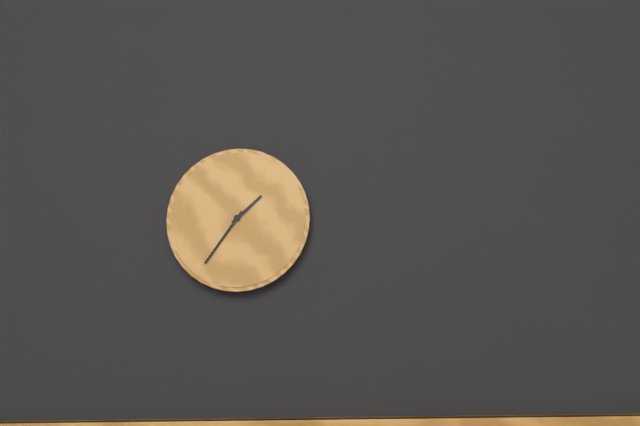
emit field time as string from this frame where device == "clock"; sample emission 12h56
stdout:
1h36
